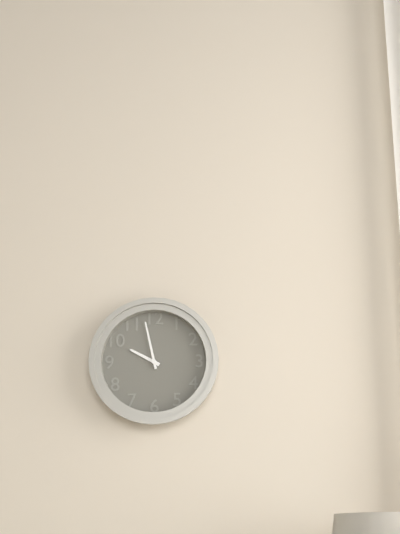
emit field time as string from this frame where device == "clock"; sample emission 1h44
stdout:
9h58
